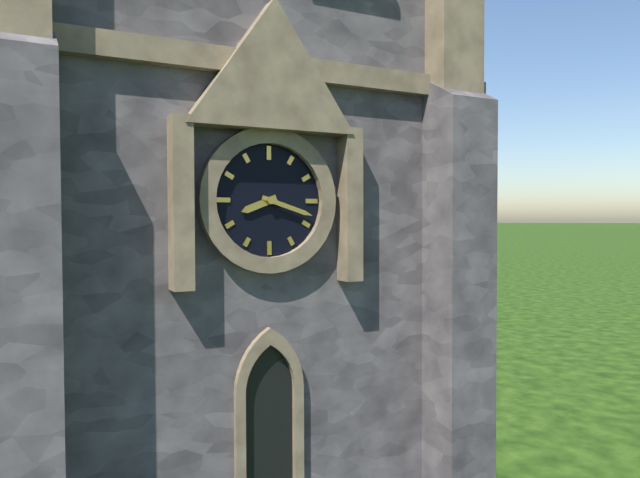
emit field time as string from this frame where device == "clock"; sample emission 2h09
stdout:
8h18
